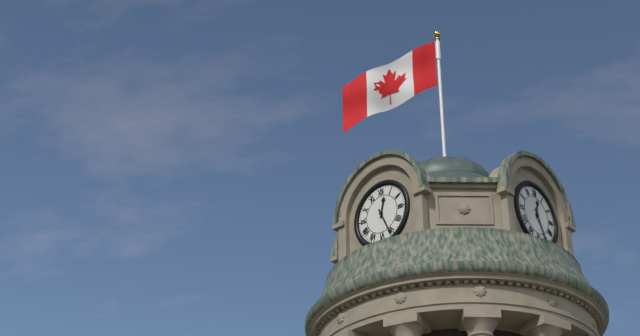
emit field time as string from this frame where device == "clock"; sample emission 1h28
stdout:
12h26
